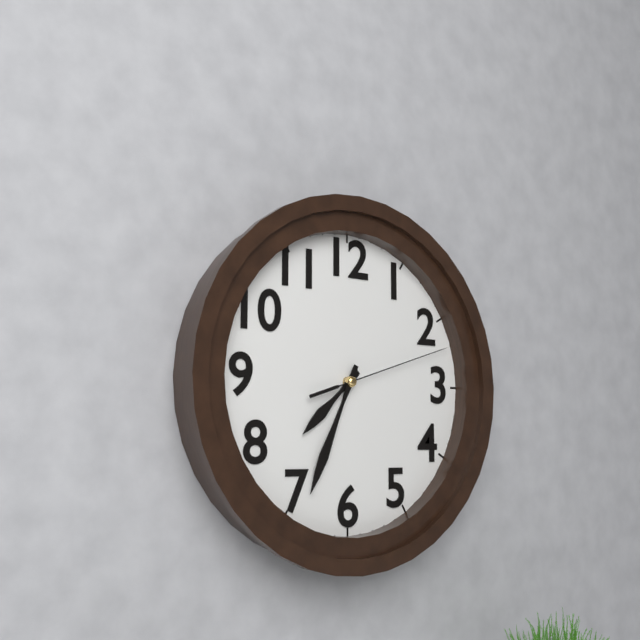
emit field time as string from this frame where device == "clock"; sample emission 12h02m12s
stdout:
7h34m12s
